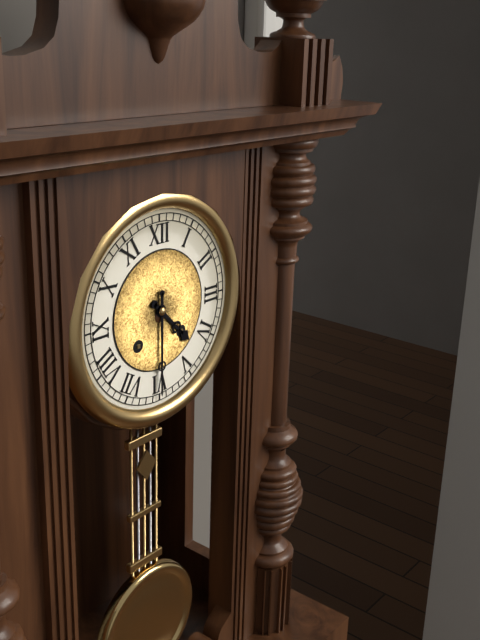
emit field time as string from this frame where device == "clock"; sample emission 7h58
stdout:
4h30
